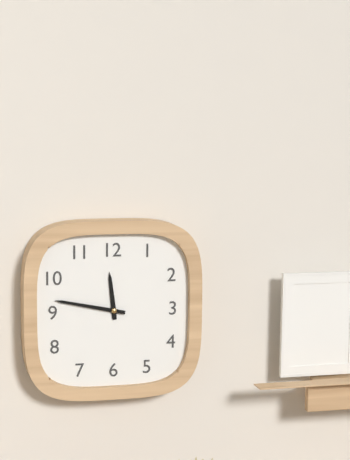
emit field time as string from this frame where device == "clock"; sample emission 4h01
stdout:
11h47
